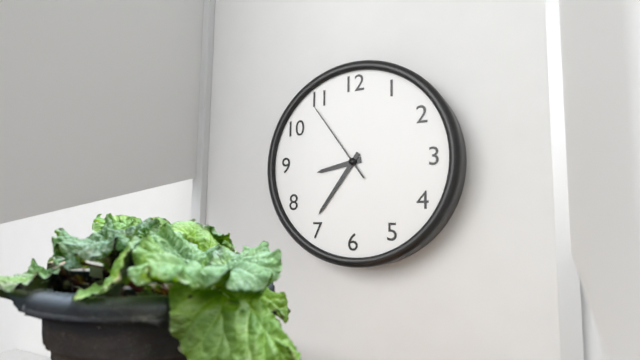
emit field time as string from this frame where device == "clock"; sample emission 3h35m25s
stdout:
8h36m54s
